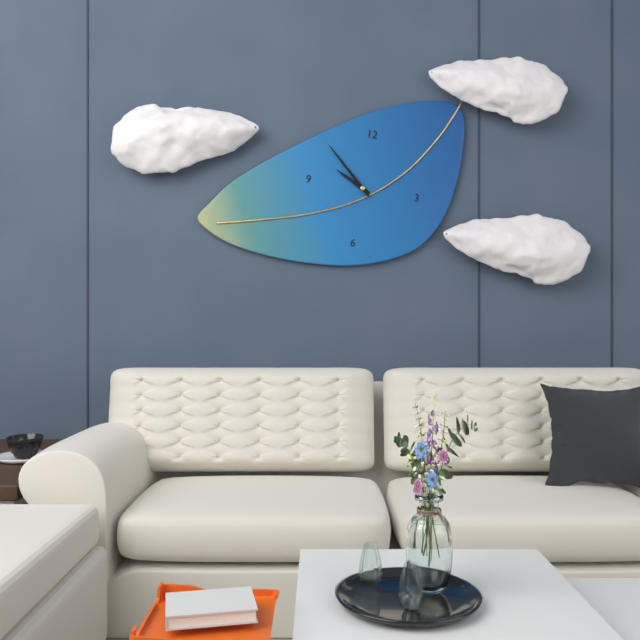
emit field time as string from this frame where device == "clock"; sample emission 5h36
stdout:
9h52
